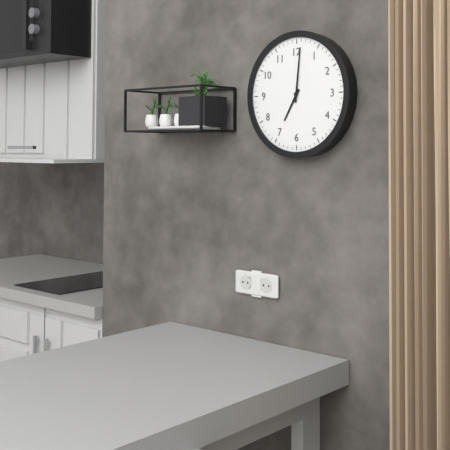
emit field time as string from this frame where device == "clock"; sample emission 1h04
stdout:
7h01
